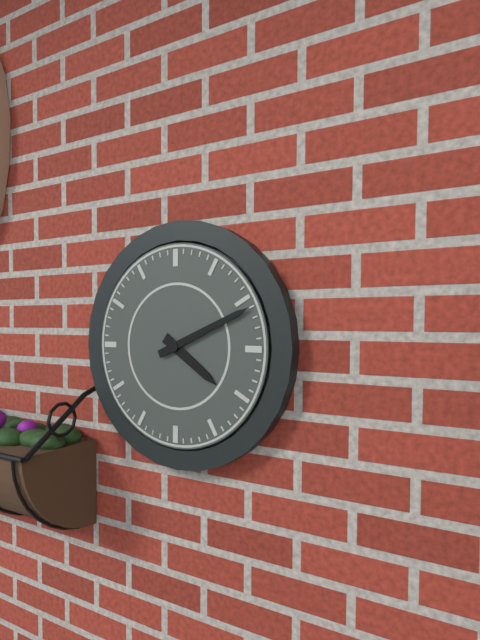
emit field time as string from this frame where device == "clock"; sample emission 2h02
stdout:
4h11
